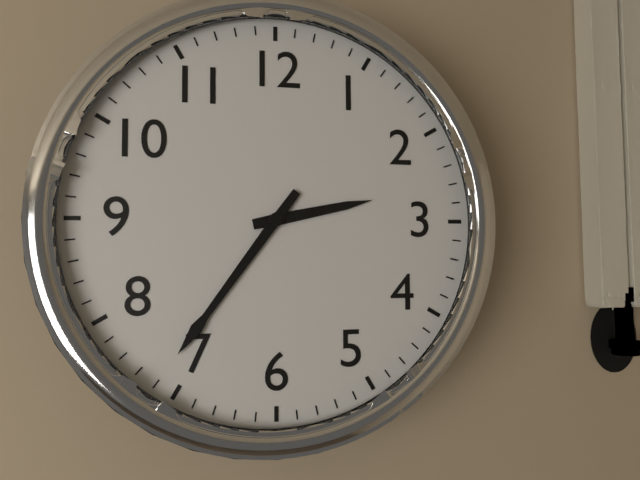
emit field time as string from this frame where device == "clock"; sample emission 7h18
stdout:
2h36
